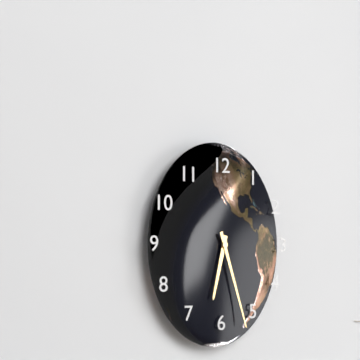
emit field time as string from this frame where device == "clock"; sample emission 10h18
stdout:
6h27
